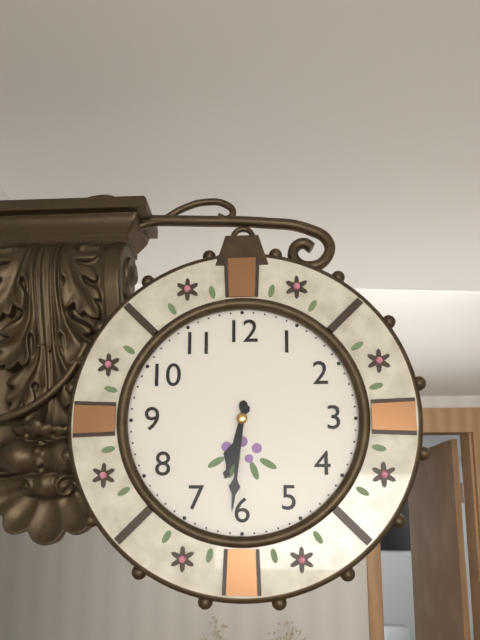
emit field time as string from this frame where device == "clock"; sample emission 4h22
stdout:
6h31
